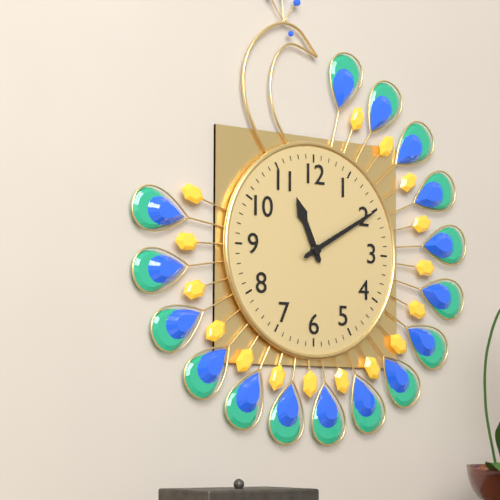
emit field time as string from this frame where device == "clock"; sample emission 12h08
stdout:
11h10
